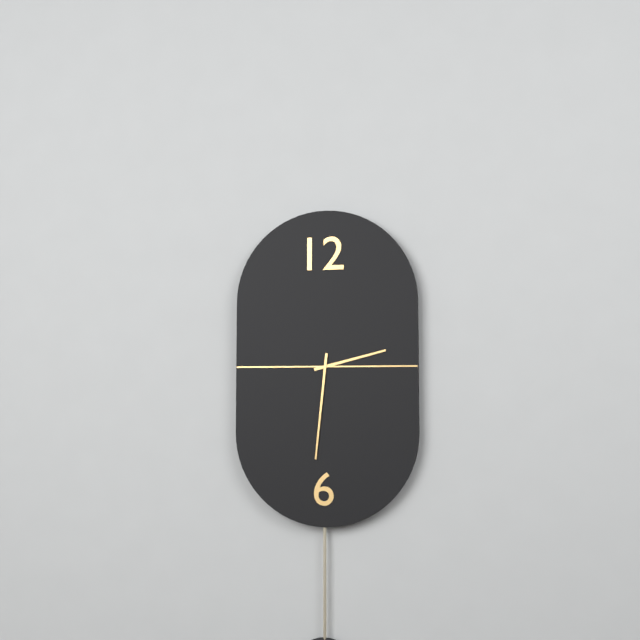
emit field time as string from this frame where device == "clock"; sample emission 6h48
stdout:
2h31
